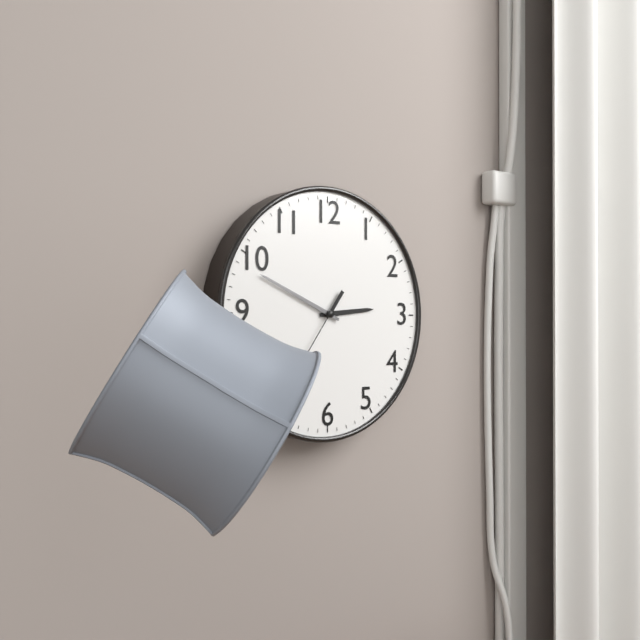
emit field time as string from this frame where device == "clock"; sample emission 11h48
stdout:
2h49
